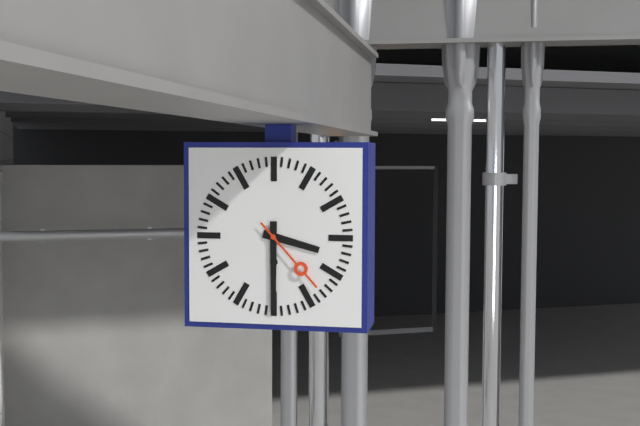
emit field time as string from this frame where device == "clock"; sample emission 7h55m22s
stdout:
3h30m23s
